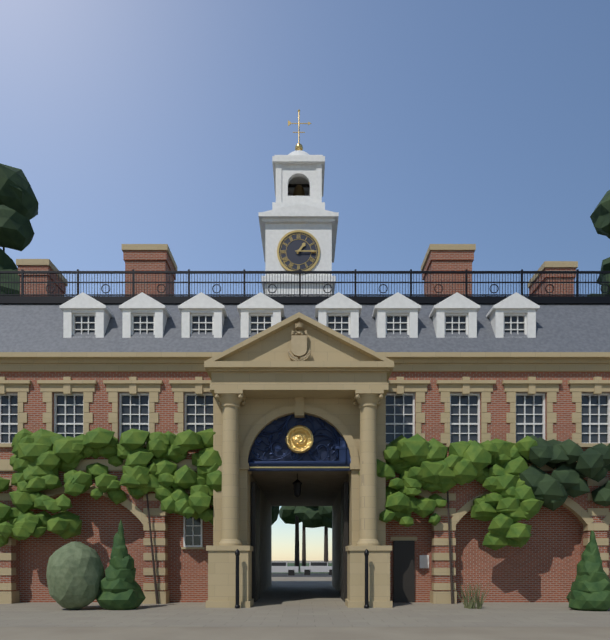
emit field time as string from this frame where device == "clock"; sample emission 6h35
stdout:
1h15
